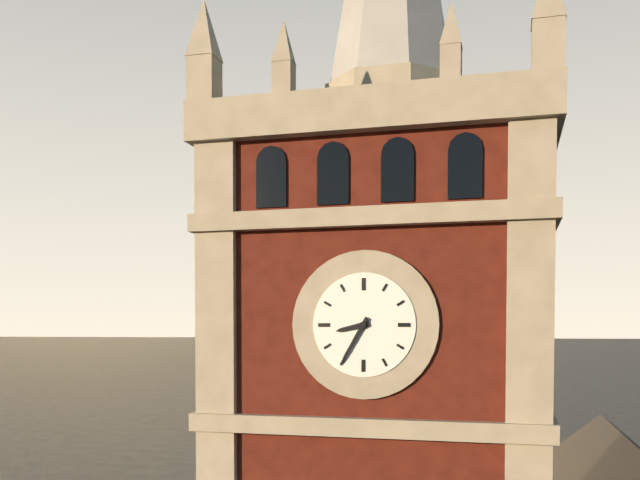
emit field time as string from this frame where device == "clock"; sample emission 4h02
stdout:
8h35
